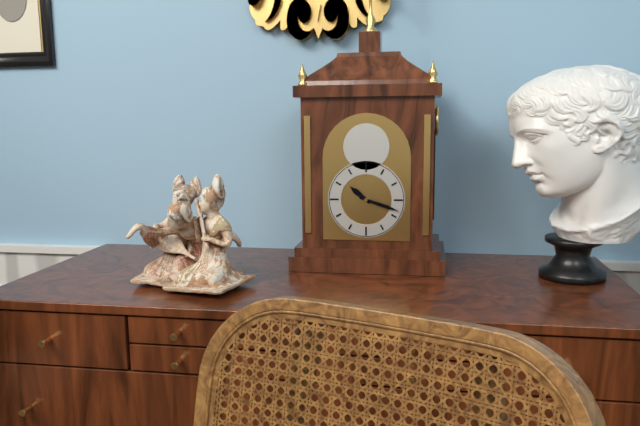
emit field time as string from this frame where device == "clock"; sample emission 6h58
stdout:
10h18
